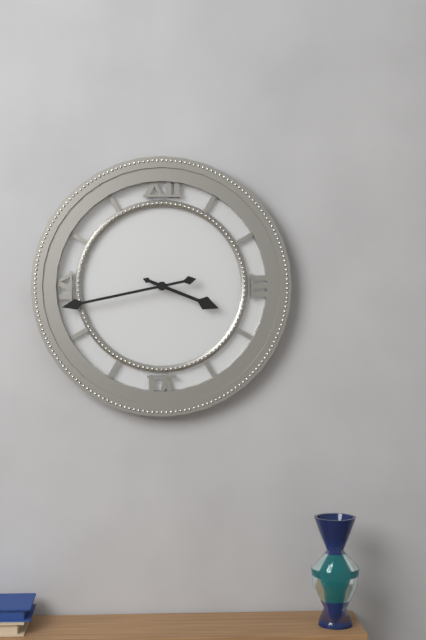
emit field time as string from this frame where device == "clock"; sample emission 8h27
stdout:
3h43
